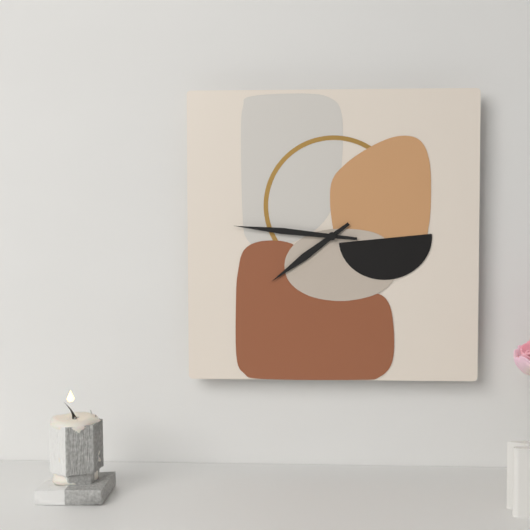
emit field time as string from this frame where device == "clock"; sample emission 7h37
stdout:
7h46
